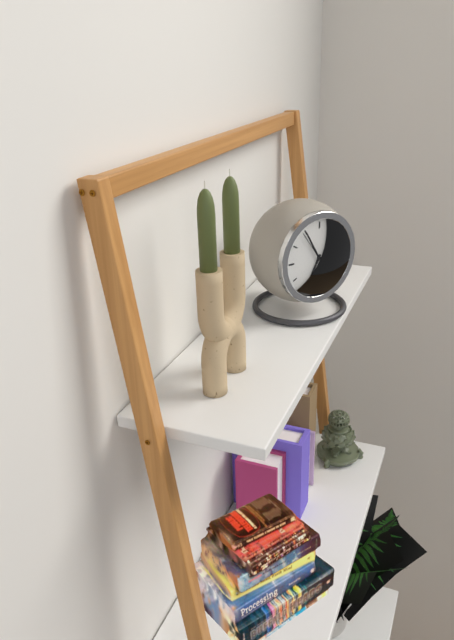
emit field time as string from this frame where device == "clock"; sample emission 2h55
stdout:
6h55
